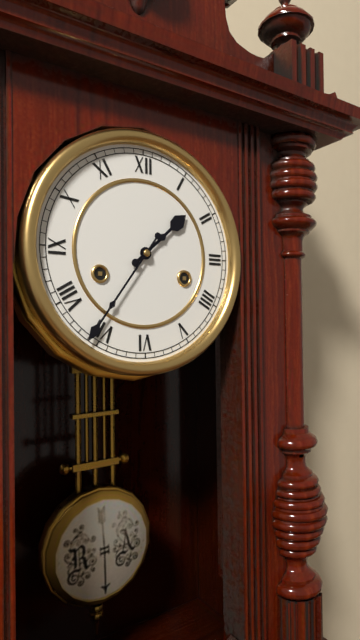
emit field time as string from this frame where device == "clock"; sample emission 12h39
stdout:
1h36
